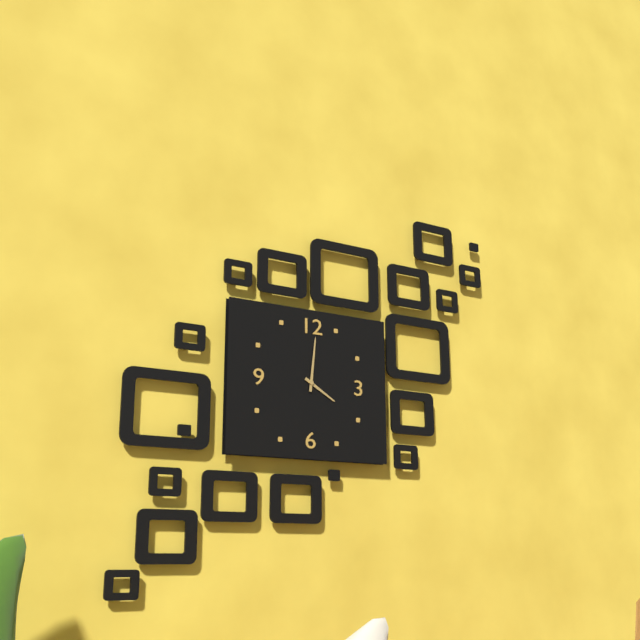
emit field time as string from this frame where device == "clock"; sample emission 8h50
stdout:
4h01
